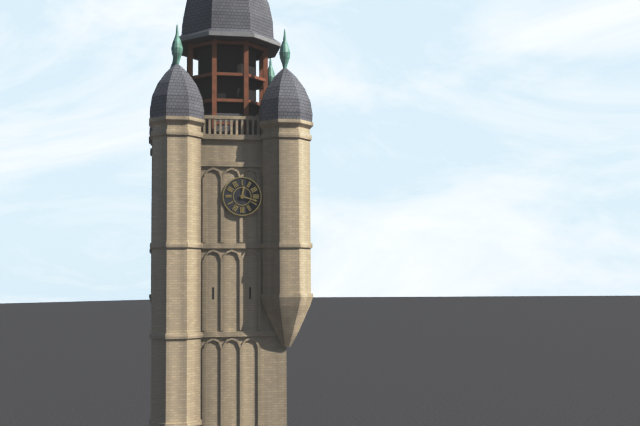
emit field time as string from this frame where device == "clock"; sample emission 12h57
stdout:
12h18
